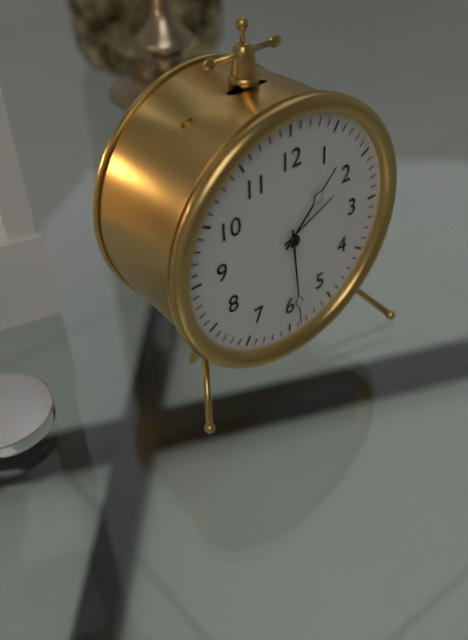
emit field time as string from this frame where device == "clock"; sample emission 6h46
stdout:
1h29
